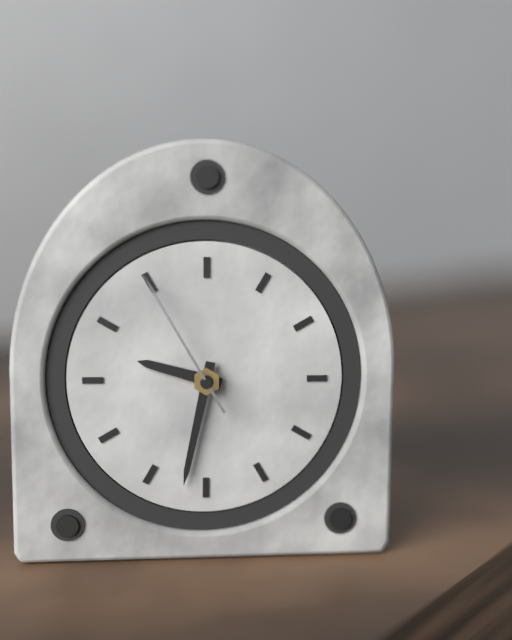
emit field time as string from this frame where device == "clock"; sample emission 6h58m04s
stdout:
9h32m55s
